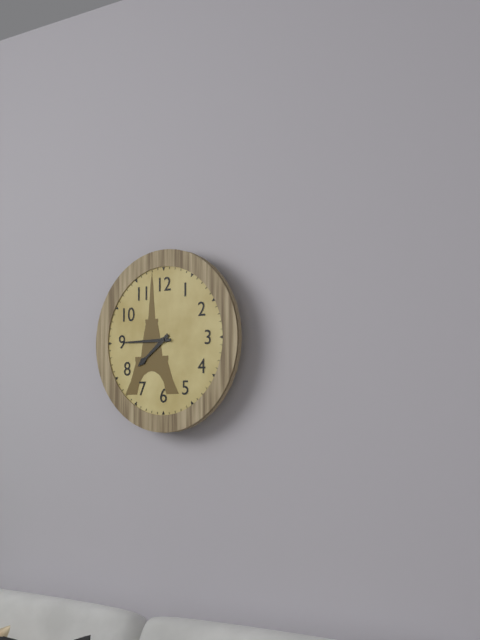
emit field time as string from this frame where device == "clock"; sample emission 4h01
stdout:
7h45
